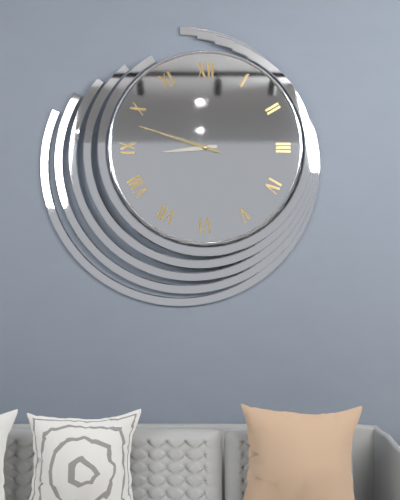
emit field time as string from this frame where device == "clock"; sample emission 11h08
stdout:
8h48
